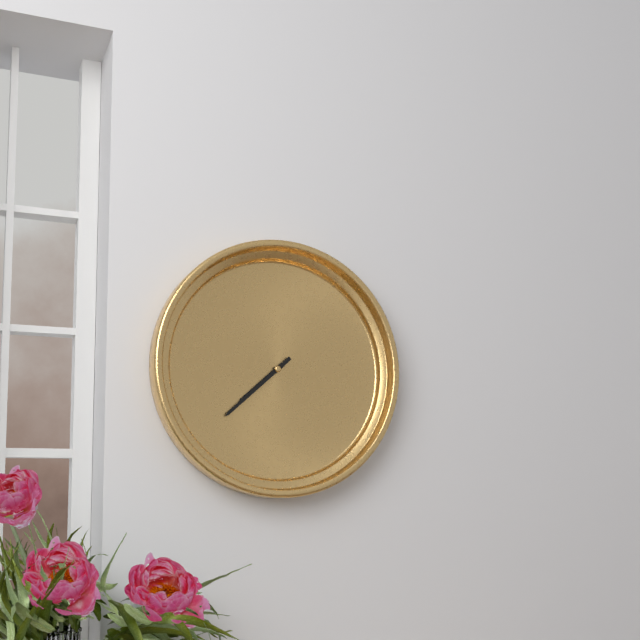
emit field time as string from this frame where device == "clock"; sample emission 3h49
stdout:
7h38
